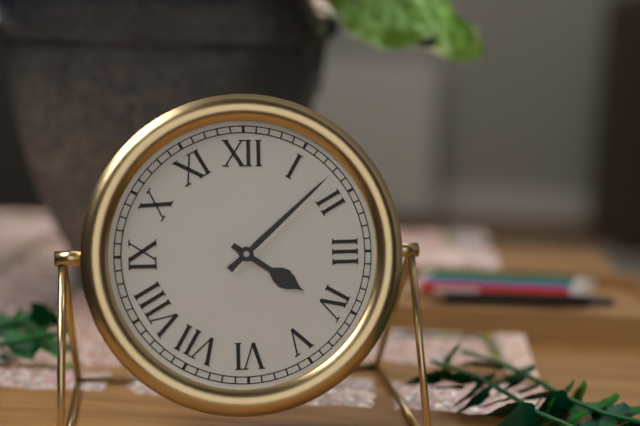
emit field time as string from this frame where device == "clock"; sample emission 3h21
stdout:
4h08
